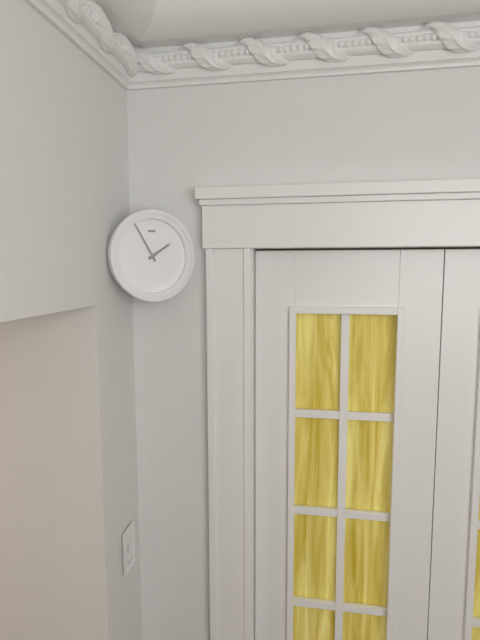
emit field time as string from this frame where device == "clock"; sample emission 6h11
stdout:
1h55
